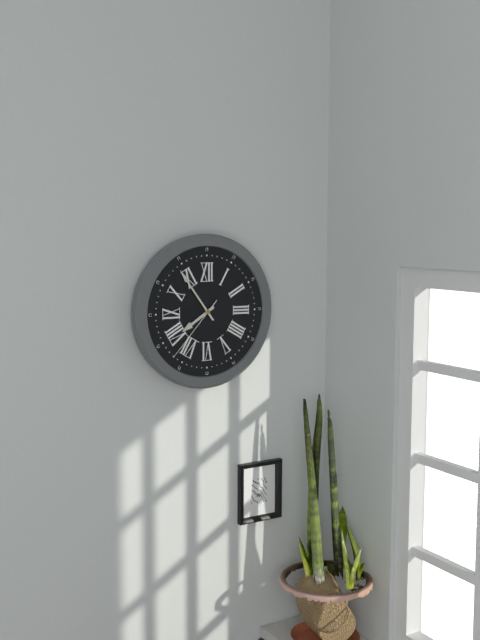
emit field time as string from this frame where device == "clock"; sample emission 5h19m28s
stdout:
7h54m37s
